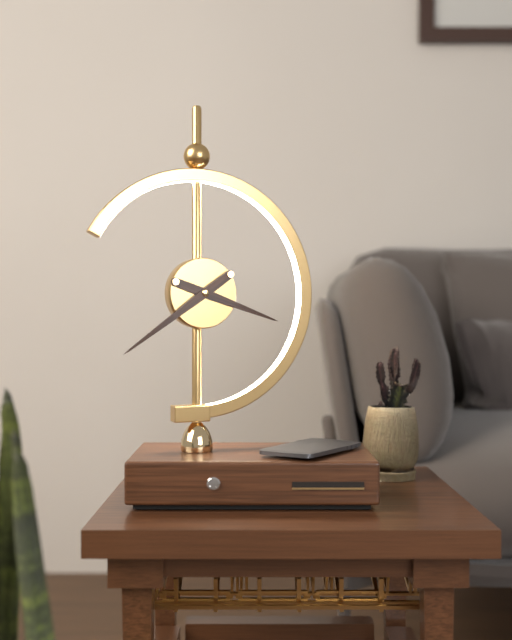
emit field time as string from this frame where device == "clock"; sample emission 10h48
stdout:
3h39
